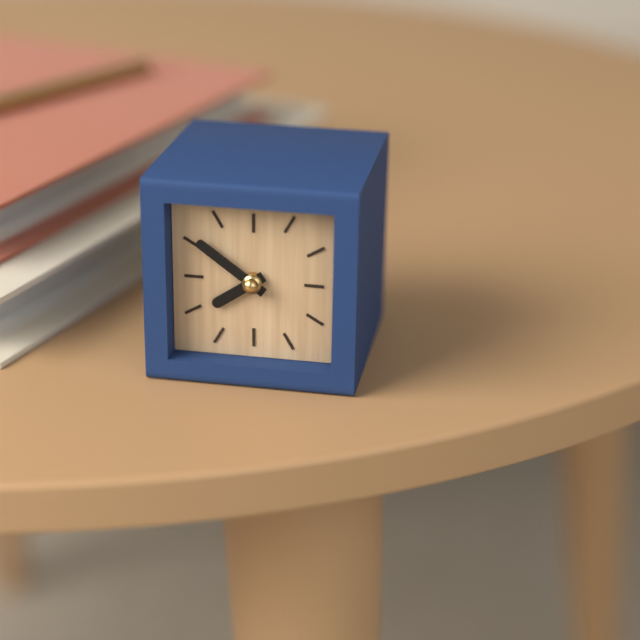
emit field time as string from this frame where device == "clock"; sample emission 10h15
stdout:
7h51
